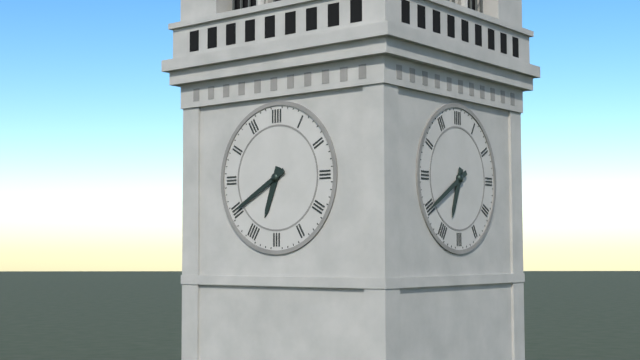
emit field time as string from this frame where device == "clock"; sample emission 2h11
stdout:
6h40
